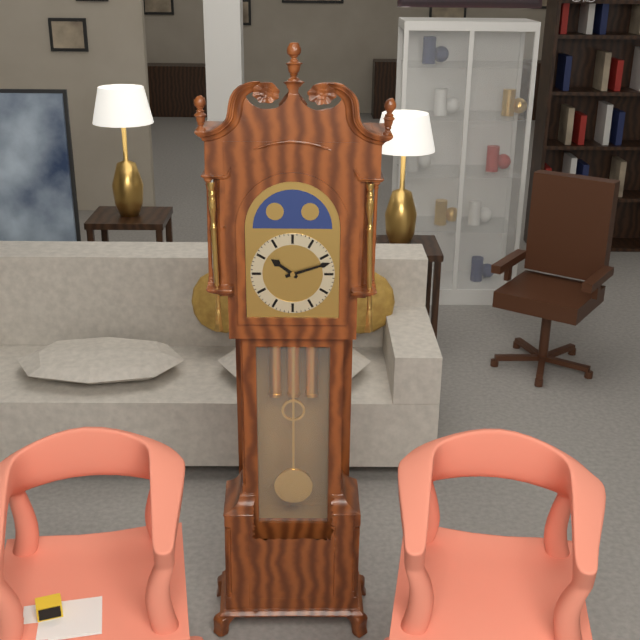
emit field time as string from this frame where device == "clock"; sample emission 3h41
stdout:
10h12
